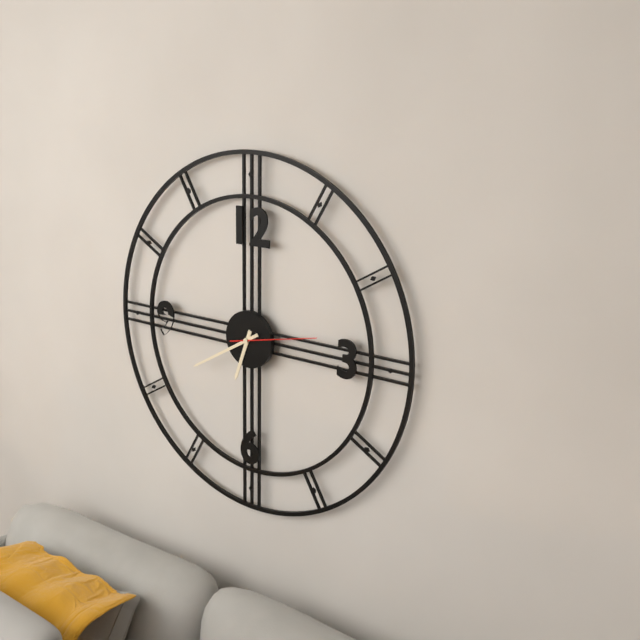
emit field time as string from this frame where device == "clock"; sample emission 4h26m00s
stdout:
6h40m13s
